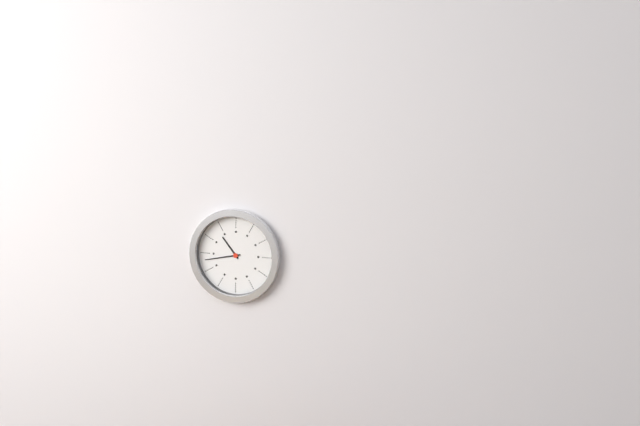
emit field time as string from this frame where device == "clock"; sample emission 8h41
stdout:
10h43
